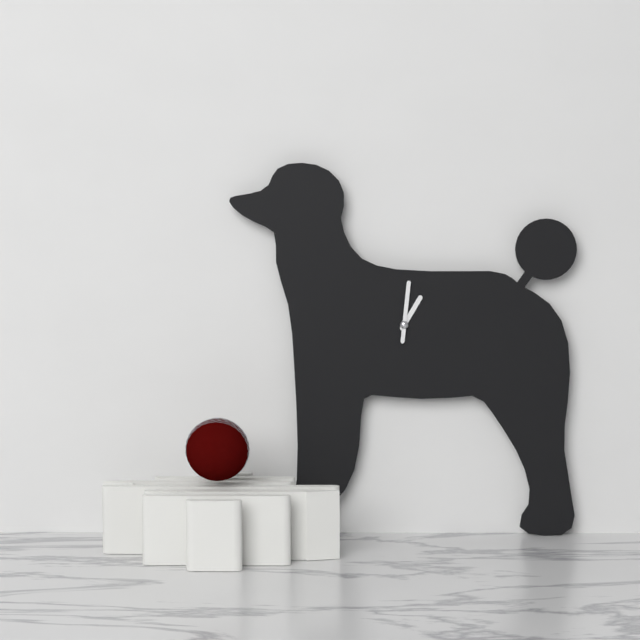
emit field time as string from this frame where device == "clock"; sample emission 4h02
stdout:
1h01
